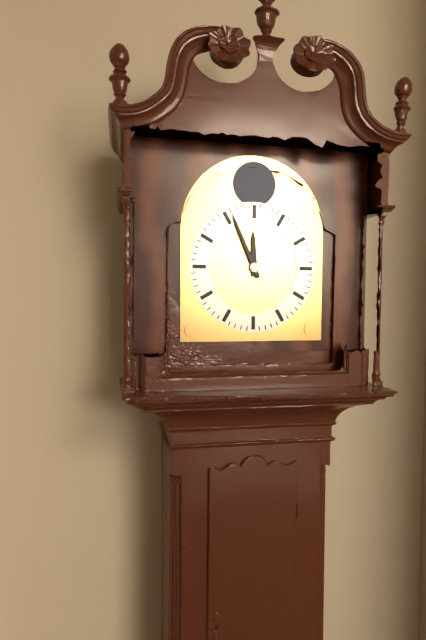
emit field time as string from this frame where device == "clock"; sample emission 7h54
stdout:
11h56
